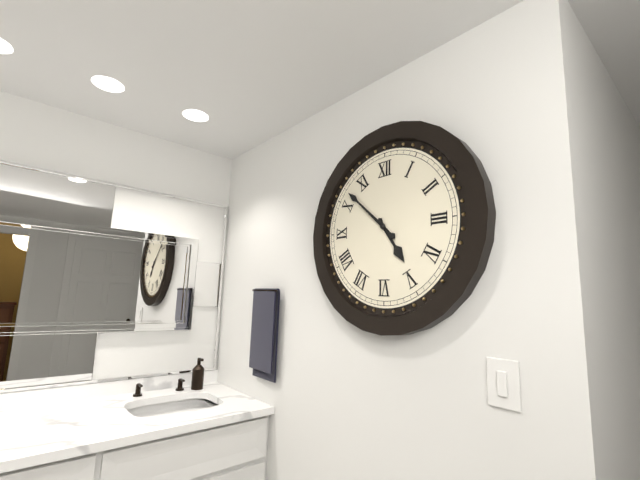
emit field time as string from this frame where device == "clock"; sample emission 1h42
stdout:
4h52
